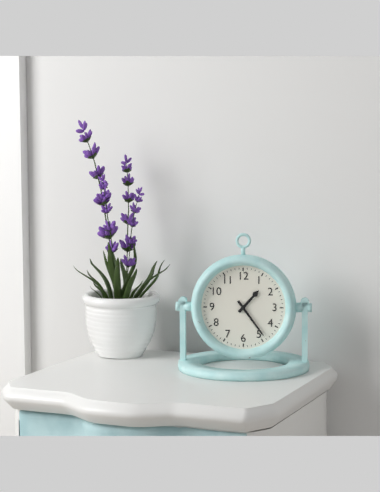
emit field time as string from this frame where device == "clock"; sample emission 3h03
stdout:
1h24
